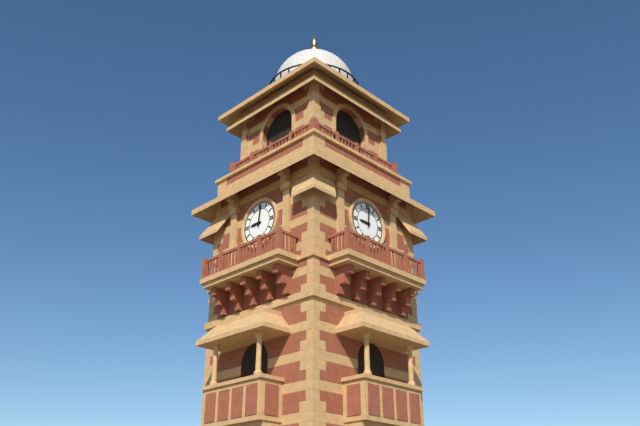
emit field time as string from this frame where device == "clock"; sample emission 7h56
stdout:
9h01
